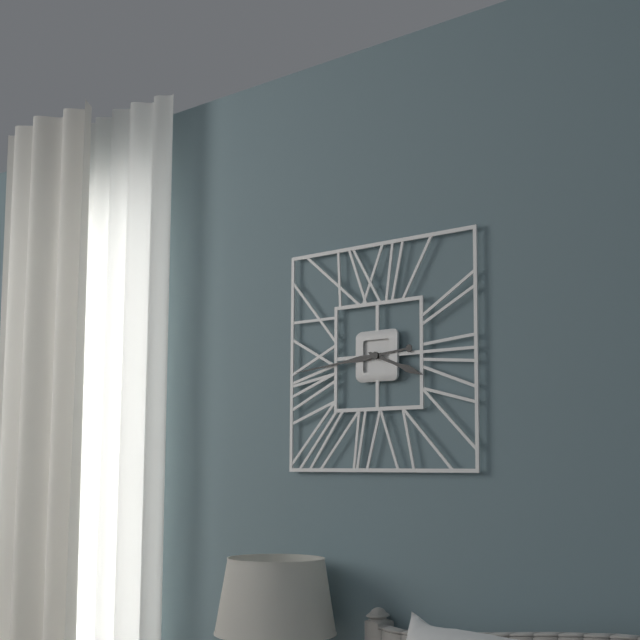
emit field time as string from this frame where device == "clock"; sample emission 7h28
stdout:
3h44
